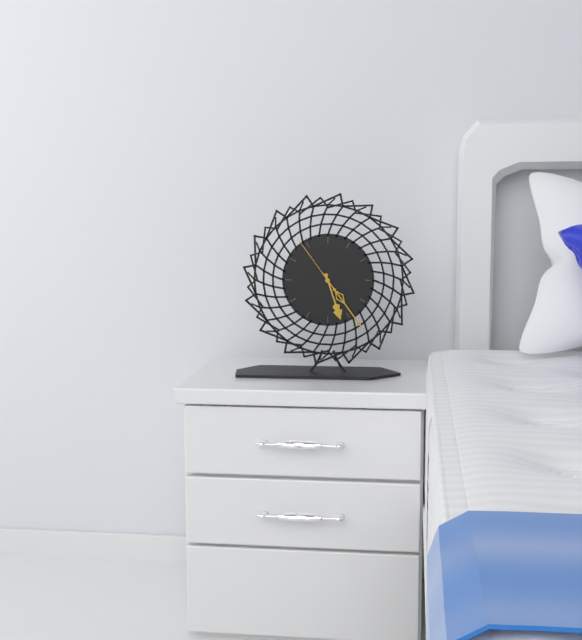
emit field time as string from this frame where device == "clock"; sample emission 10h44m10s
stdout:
5h24m54s
